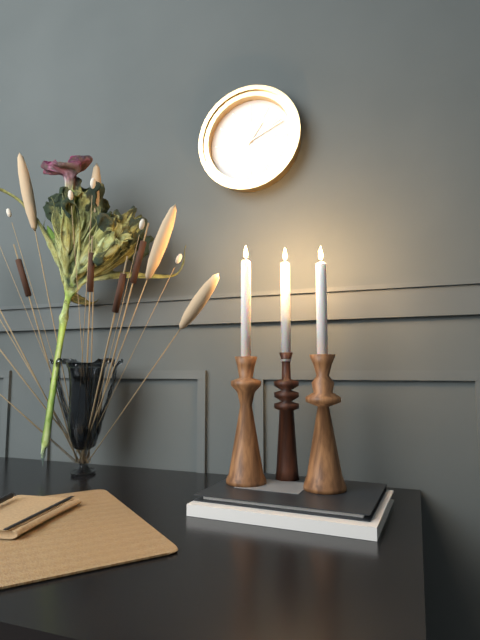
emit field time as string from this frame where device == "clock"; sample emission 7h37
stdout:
1h11
